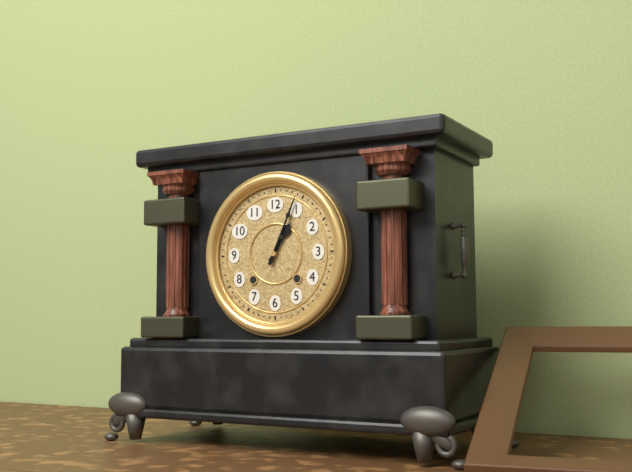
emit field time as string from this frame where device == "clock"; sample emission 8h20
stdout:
1h04
